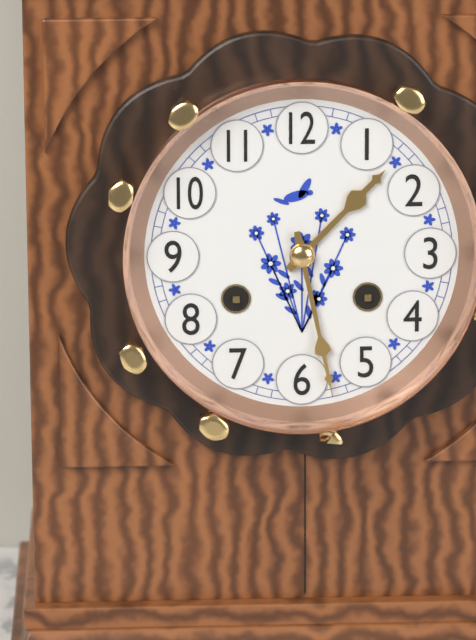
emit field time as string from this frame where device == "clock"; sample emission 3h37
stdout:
1h28
